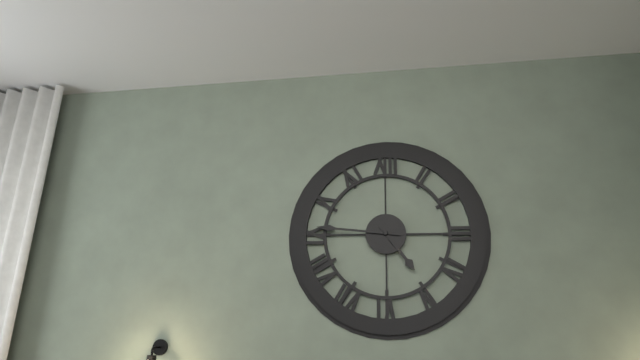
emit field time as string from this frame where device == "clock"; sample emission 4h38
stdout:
4h46
